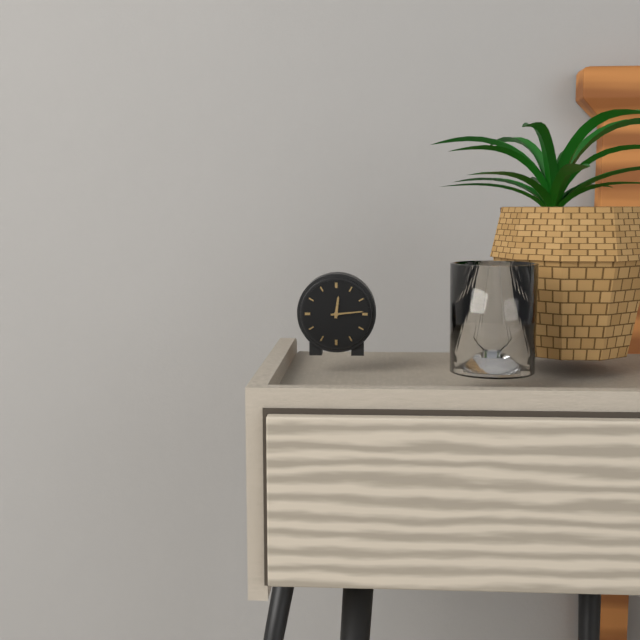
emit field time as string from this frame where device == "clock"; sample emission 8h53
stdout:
12h14
